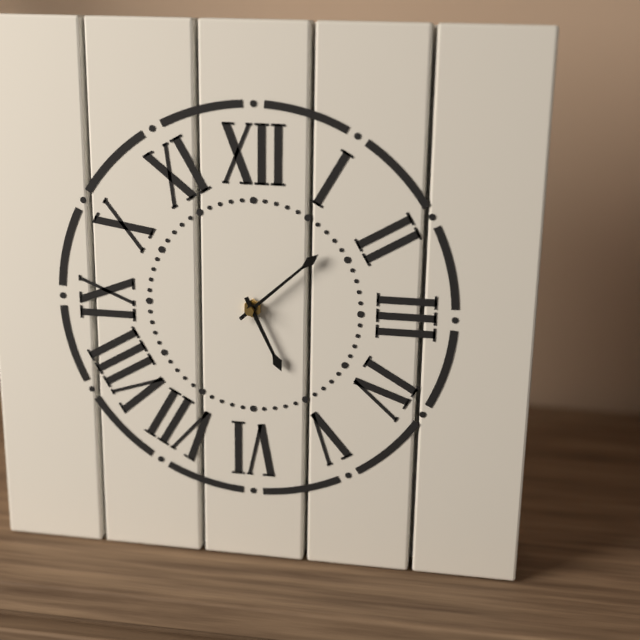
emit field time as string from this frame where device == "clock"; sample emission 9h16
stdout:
5h08
